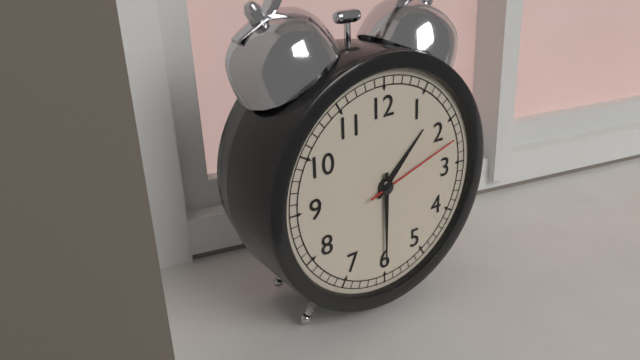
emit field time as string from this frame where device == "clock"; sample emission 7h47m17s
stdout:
1h30m12s
